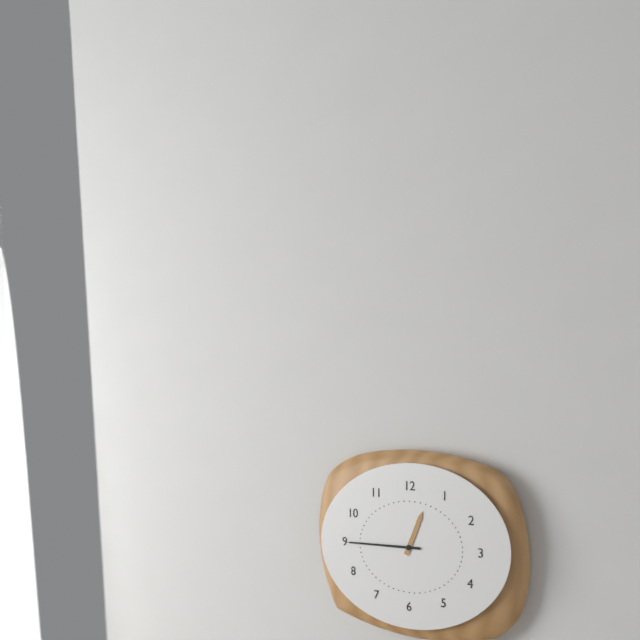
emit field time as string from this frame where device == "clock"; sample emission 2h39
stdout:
12h45
